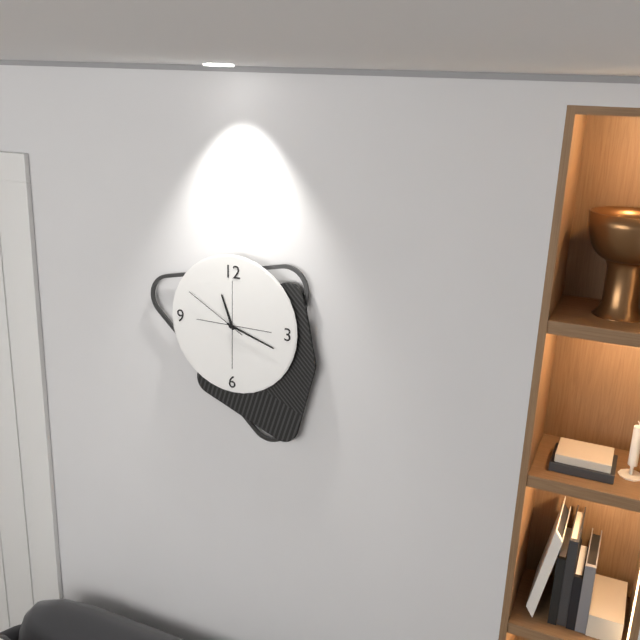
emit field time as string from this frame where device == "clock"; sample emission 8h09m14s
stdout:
11h18m50s
